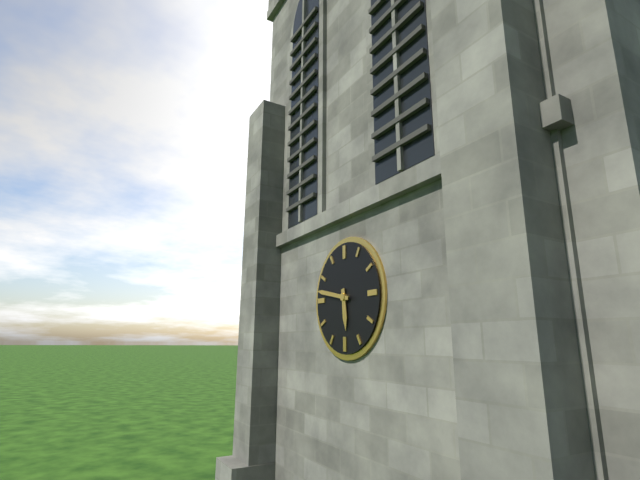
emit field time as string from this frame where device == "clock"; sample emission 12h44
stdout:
5h47
